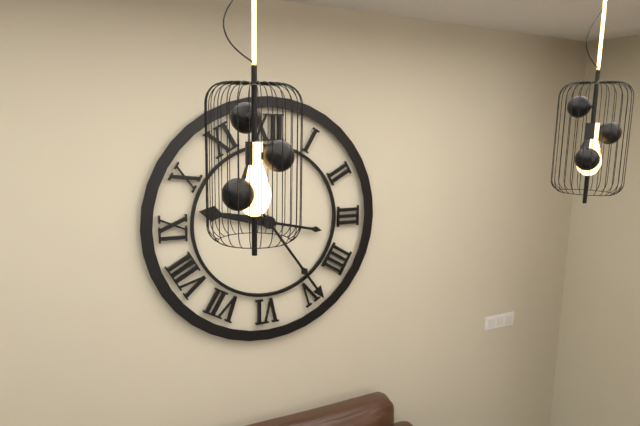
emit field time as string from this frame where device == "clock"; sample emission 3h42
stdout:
9h24
